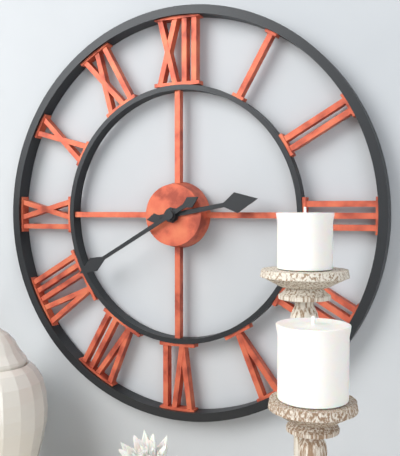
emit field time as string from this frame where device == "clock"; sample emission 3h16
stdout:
2h40
